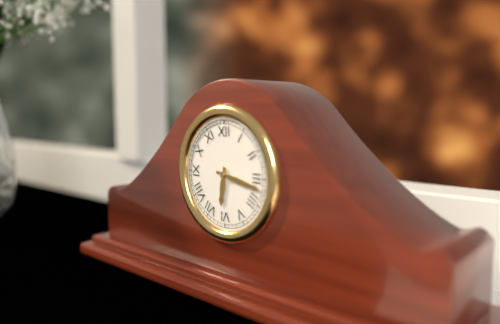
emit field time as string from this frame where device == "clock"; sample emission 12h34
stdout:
6h17
